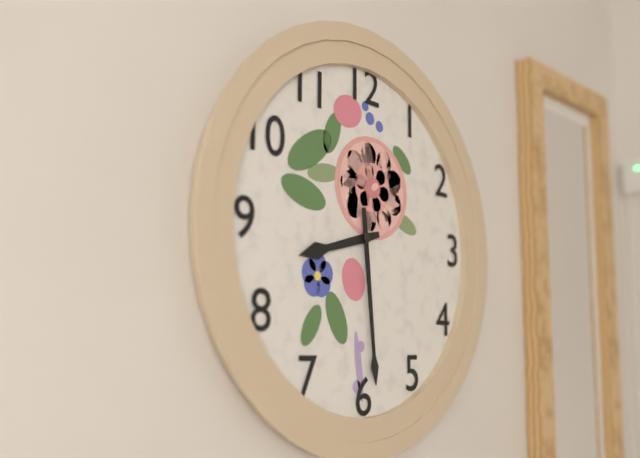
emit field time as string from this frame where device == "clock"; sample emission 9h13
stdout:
8h29
